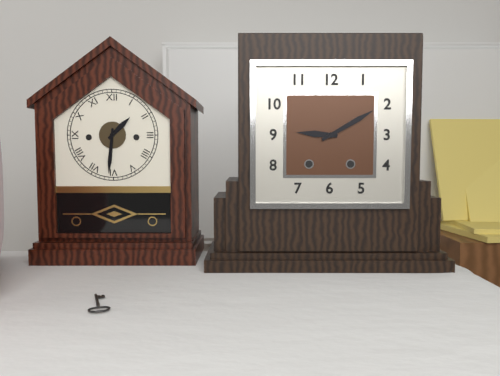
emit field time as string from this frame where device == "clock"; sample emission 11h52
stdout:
9h10
